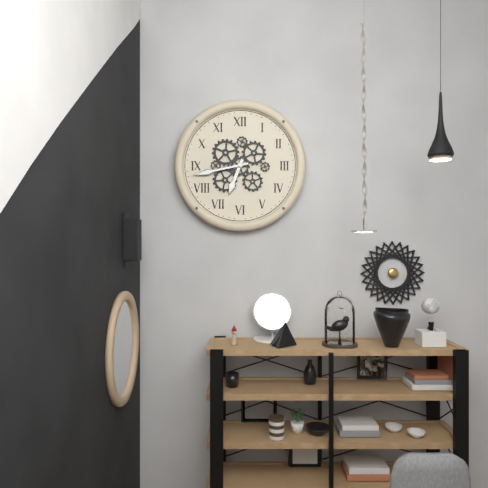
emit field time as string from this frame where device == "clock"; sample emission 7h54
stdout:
6h43
